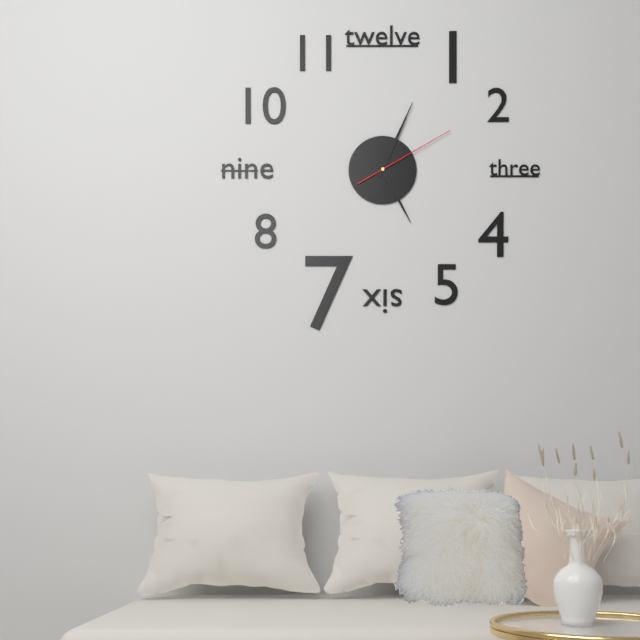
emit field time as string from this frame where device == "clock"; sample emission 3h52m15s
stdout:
5h04m10s
